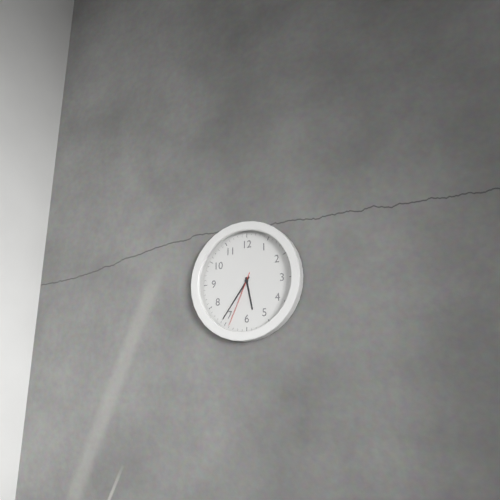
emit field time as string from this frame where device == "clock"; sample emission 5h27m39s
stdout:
5h36m34s
